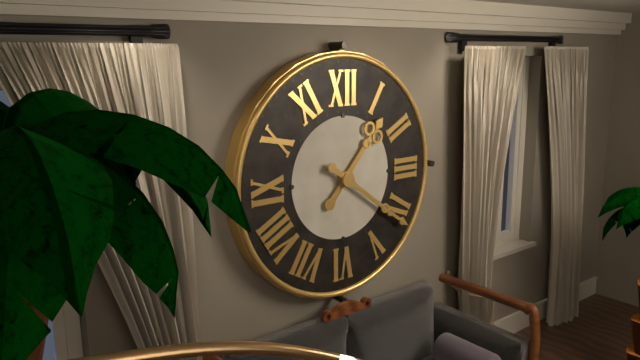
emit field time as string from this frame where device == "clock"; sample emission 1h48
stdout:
1h21
